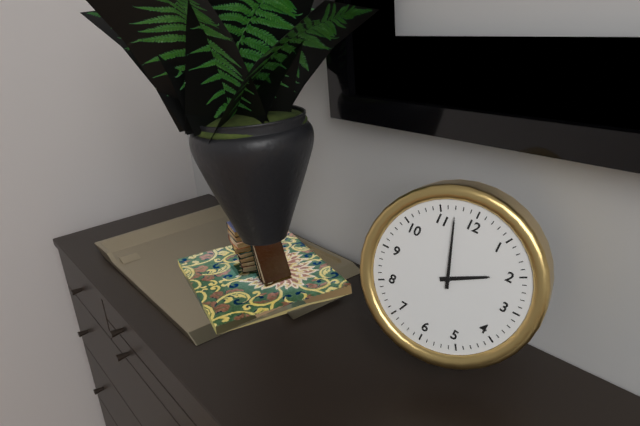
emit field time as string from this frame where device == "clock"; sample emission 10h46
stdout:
1h57
